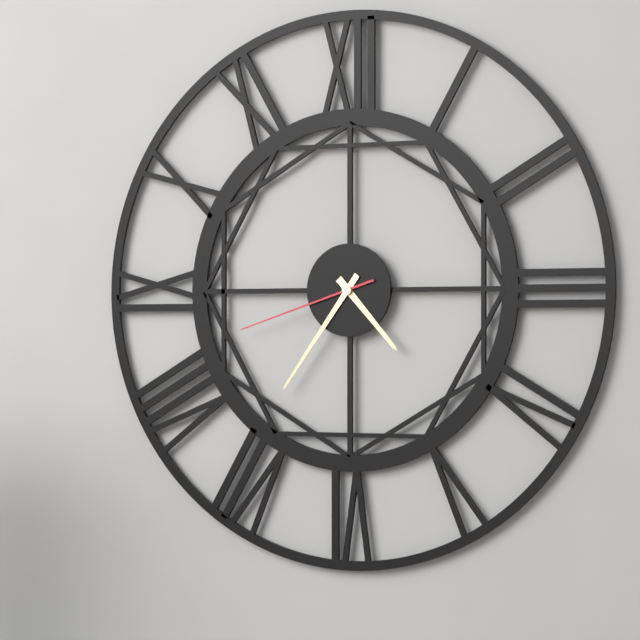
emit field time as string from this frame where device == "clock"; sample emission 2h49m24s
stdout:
4h36m42s
